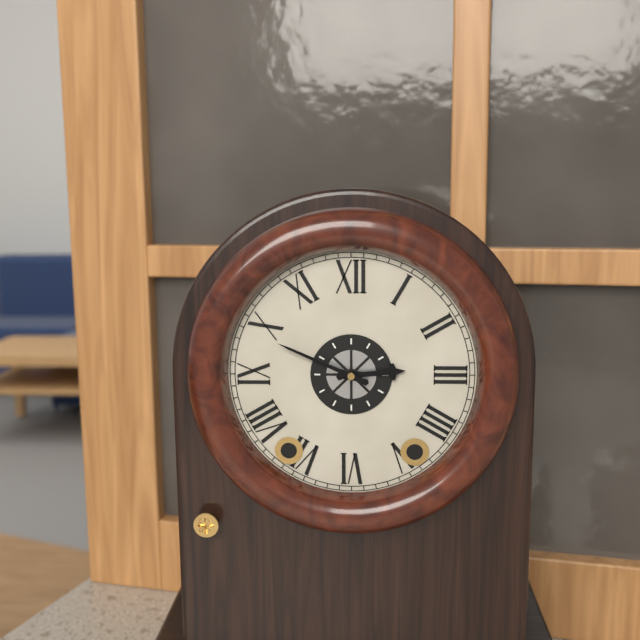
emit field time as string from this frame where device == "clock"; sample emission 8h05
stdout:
2h49
